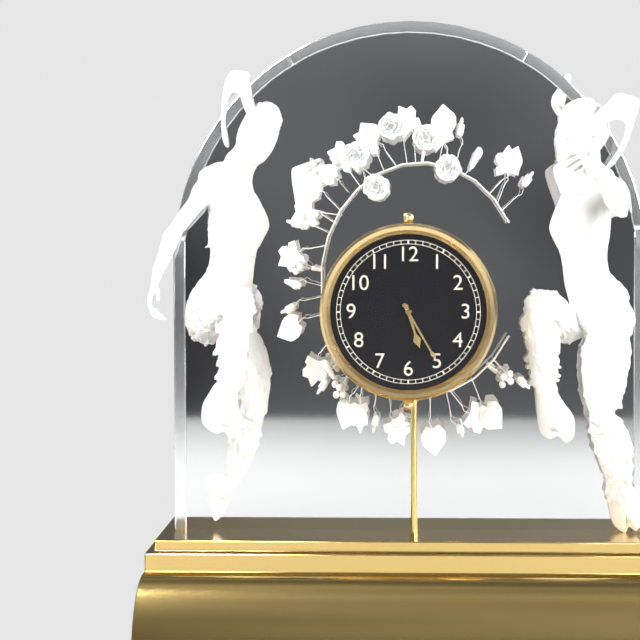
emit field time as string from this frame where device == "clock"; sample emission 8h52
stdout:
5h25
